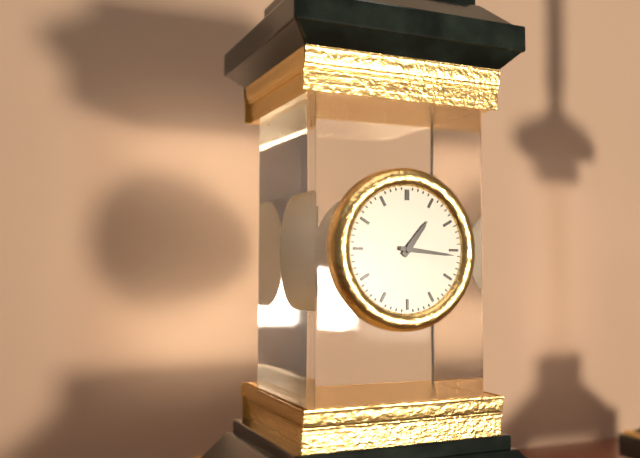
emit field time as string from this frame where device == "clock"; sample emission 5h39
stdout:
1h16
